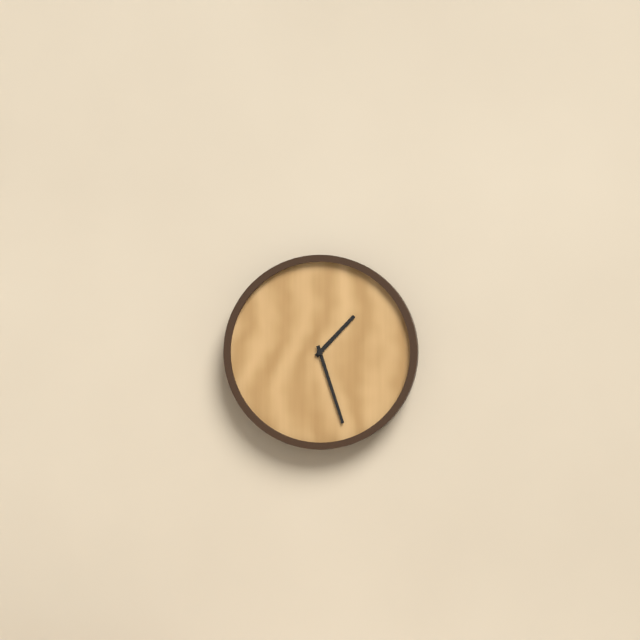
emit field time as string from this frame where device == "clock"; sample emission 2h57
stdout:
1h27
